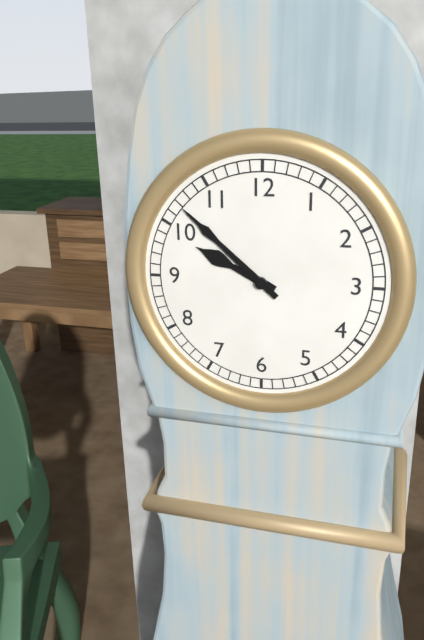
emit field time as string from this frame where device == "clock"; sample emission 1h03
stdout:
9h52
